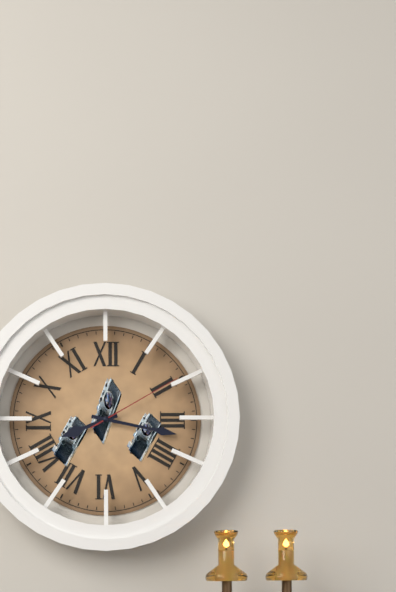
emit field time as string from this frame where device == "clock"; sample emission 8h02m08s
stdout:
8h17m10s
